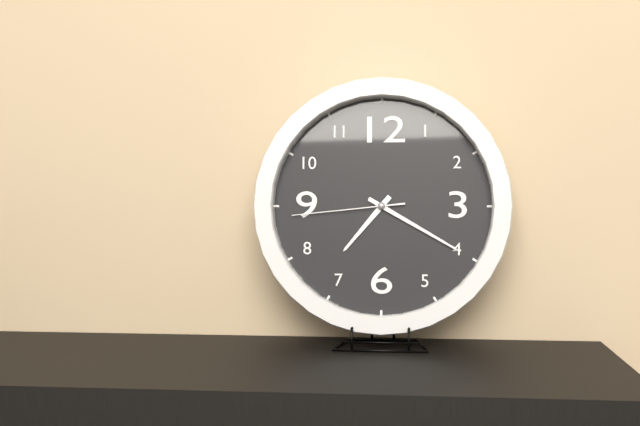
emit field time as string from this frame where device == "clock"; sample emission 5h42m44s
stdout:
7h20m44s
